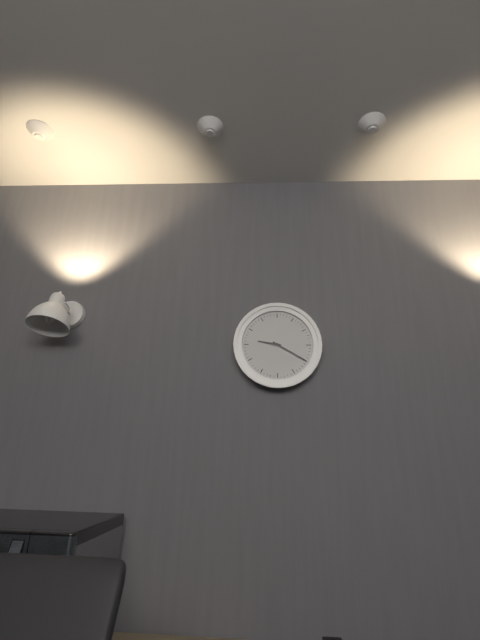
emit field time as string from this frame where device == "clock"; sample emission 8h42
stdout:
9h20
